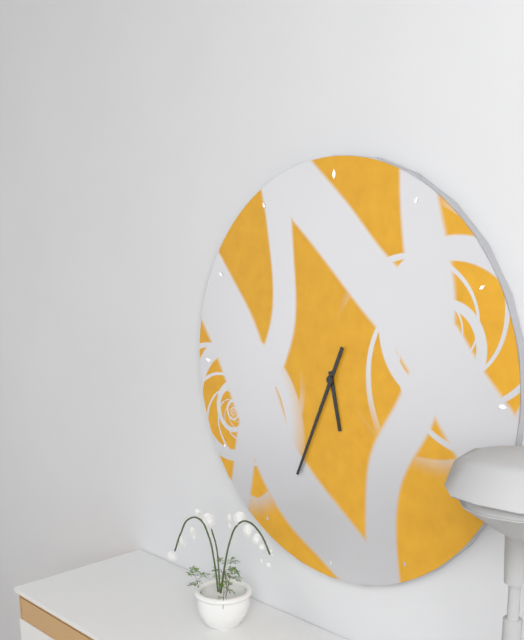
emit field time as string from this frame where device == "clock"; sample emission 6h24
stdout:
5h34
